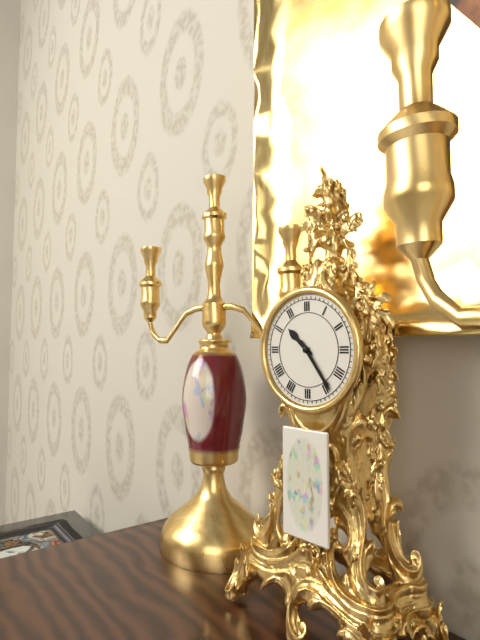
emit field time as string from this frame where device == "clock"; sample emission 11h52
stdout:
10h24
